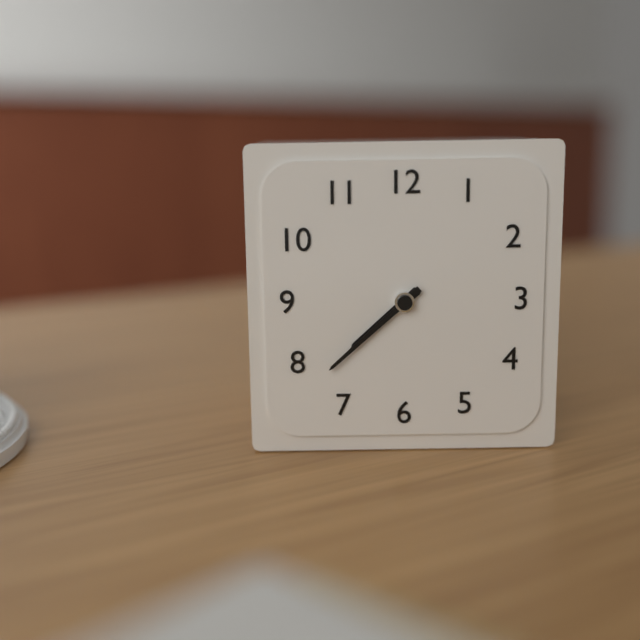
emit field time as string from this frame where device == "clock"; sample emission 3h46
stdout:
7h38
